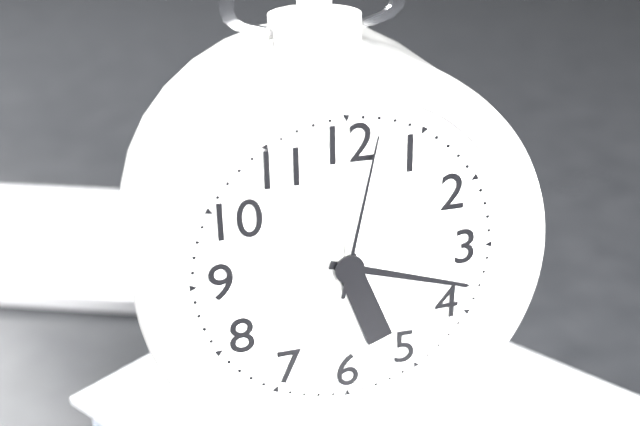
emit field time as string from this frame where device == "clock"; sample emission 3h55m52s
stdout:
5h18m02s
